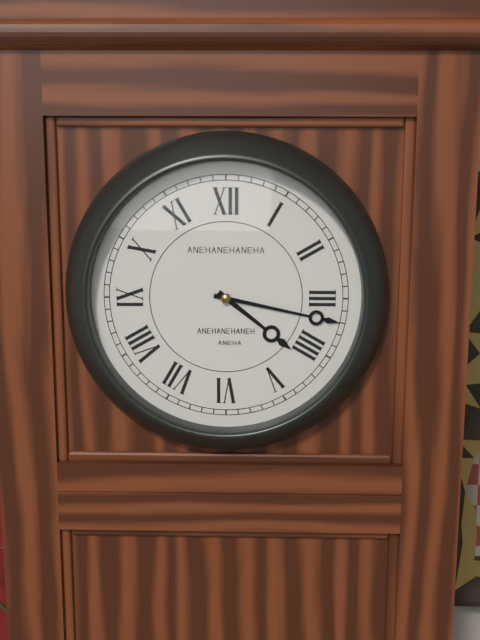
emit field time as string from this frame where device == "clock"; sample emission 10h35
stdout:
4h17
